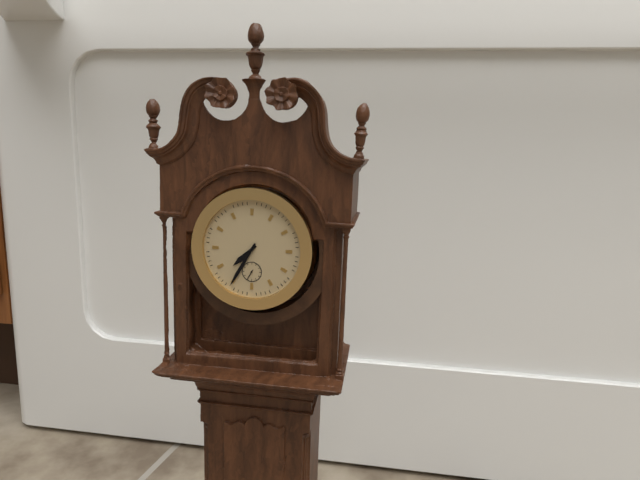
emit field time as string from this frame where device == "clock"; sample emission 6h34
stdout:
7h35
